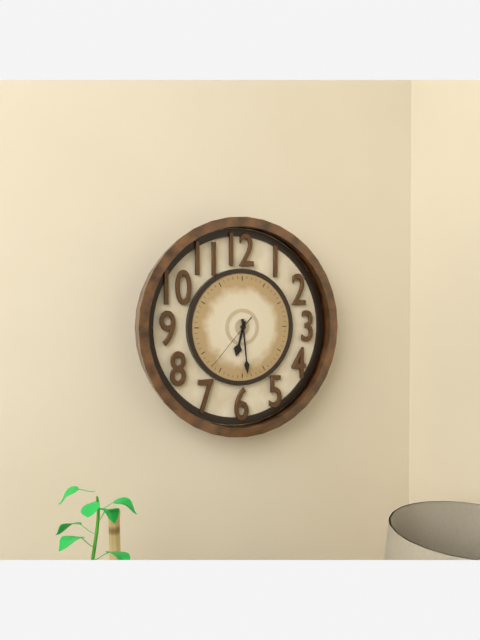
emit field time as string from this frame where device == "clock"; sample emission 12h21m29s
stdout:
6h29m37s
